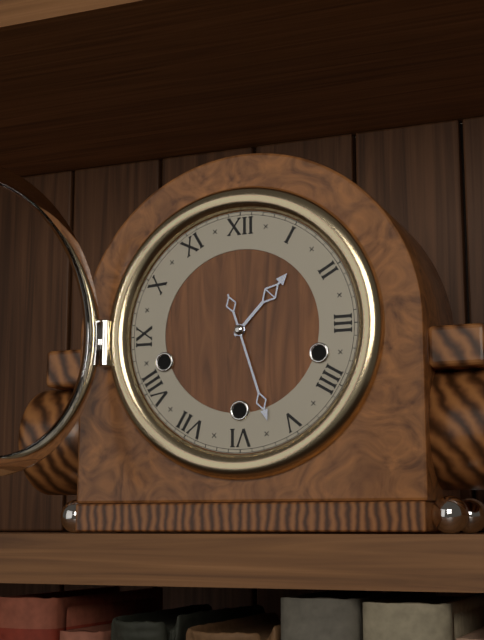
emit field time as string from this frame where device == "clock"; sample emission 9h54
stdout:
1h27
